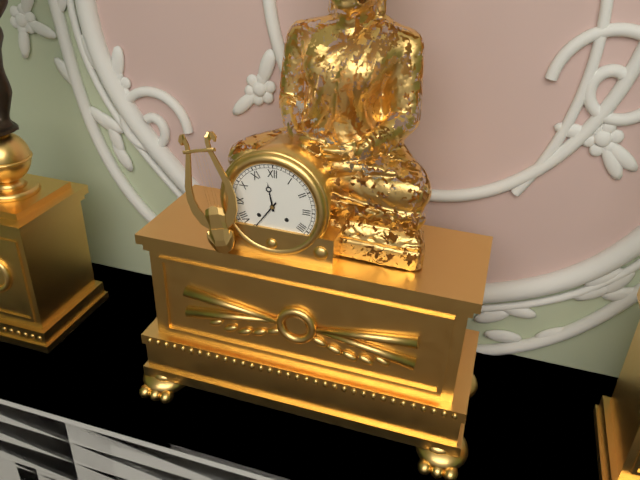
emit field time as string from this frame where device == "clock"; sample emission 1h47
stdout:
11h36
